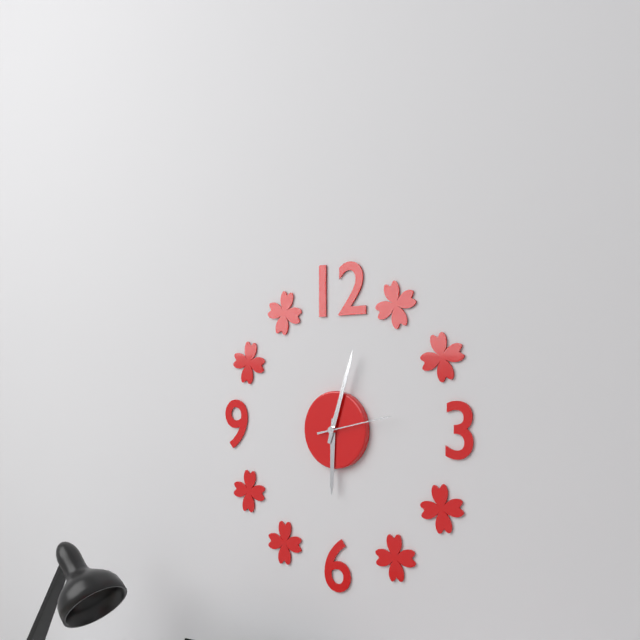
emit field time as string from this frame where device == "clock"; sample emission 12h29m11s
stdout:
6h03m13s
